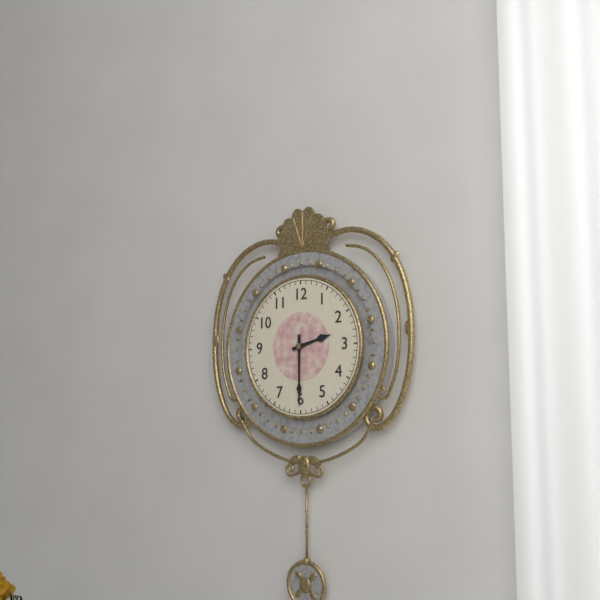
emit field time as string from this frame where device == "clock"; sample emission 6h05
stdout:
2h30
